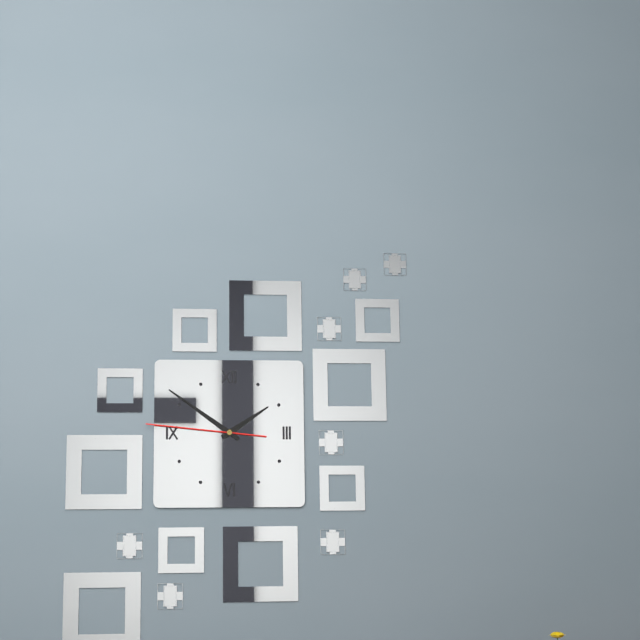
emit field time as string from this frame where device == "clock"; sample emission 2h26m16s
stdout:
1h51m46s
